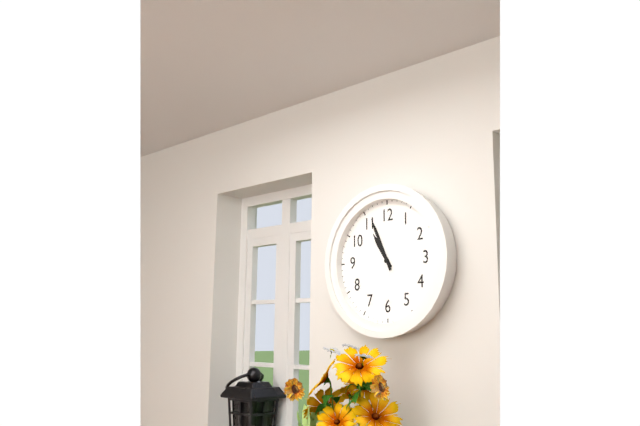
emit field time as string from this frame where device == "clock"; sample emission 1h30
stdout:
10h56
